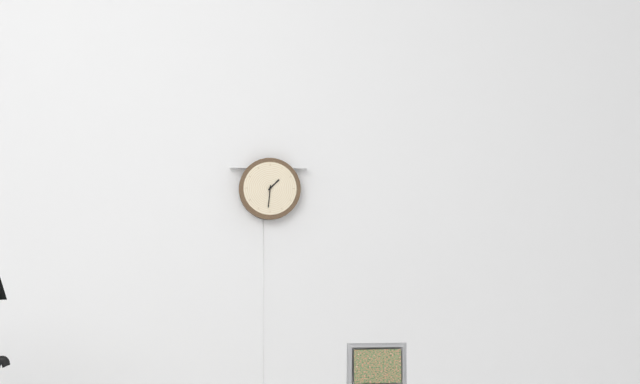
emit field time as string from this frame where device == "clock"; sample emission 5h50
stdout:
1h31
